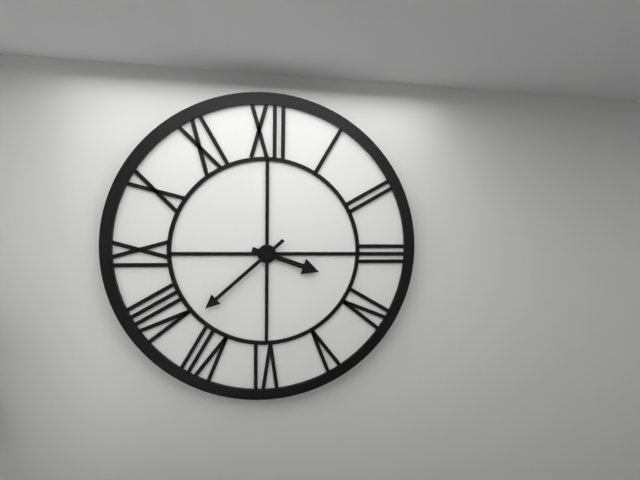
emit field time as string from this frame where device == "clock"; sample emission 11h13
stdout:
3h38
